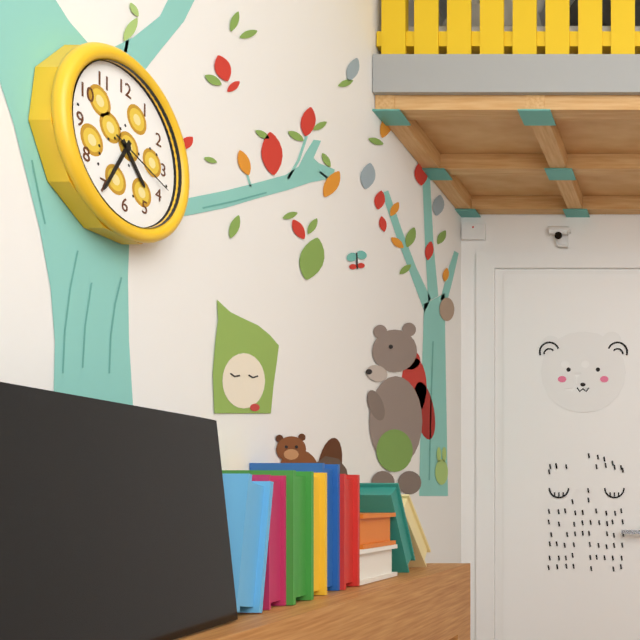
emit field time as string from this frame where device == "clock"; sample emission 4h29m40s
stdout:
4h35m18s
